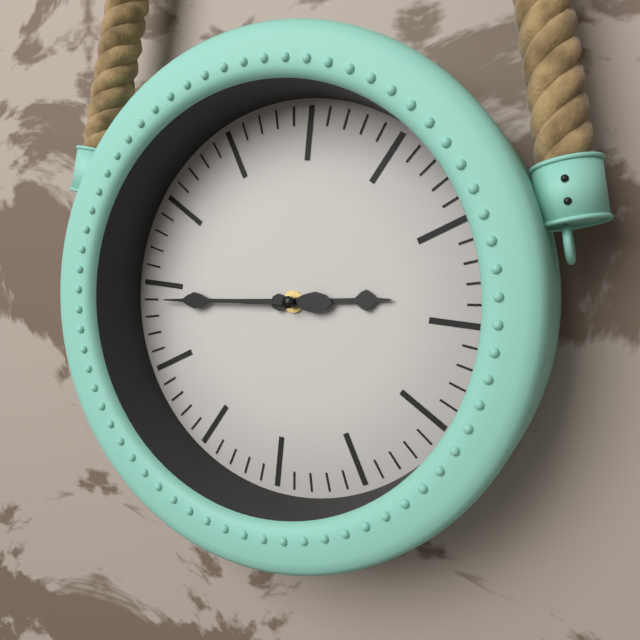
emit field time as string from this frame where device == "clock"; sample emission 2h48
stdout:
2h44
